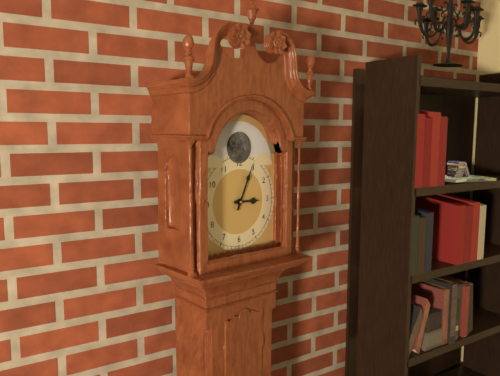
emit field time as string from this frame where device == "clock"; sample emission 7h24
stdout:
3h04
